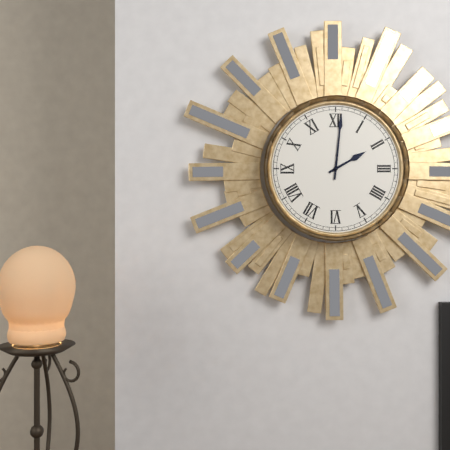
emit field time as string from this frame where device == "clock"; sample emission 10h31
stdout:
2h01
